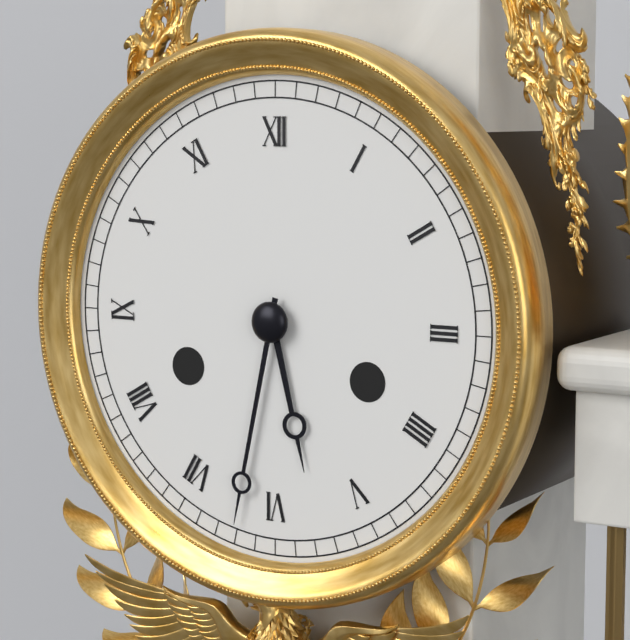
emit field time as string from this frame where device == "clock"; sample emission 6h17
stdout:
5h32
